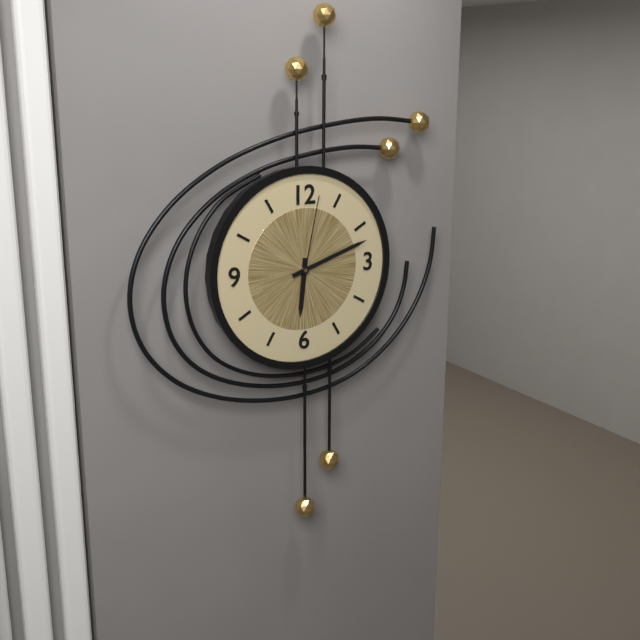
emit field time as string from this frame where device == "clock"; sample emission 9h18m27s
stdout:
6h12m02s
